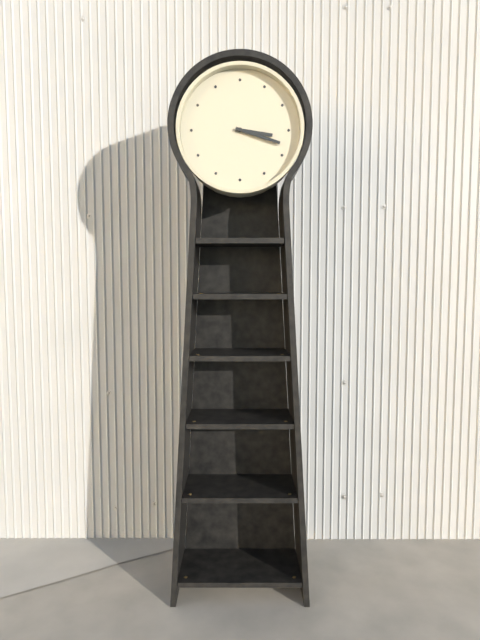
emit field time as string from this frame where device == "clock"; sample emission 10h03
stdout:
3h18
